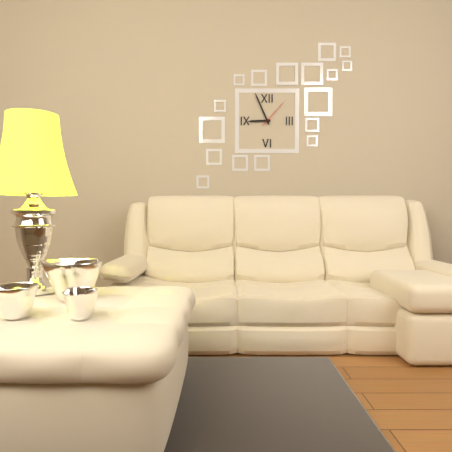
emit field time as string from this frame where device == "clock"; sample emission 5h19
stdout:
8h56
